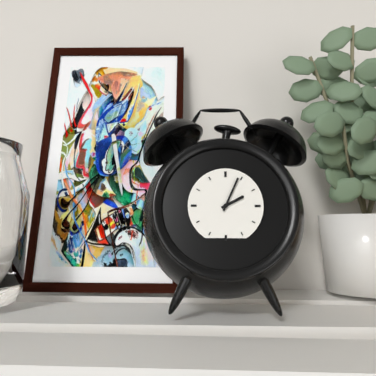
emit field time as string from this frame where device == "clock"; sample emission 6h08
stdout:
2h04
